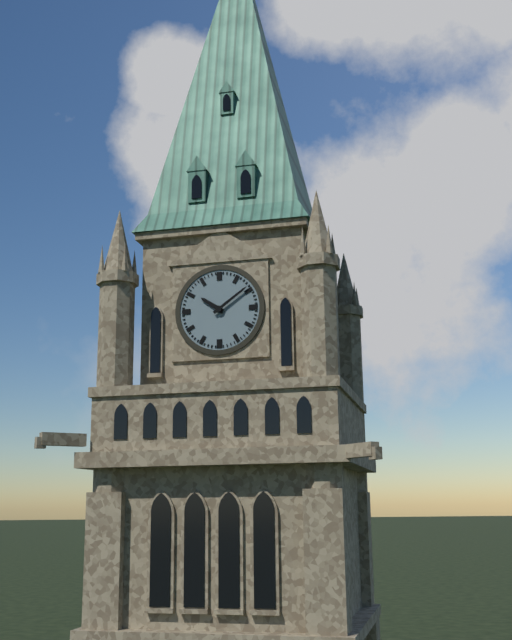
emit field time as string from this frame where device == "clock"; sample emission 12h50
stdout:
10h09
